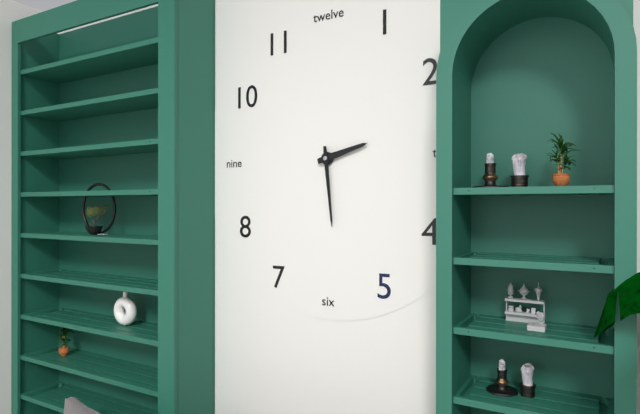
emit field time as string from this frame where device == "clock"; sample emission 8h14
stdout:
2h29
